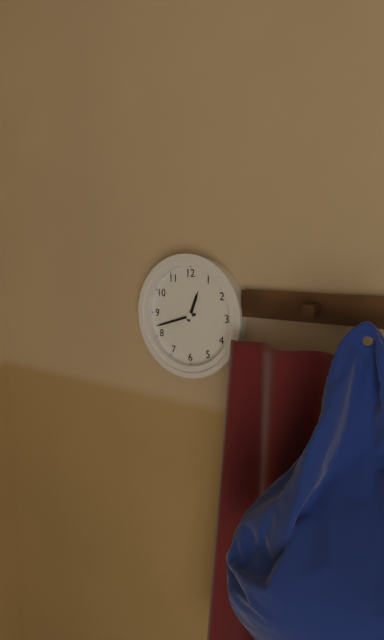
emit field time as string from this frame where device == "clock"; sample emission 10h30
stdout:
12h42
